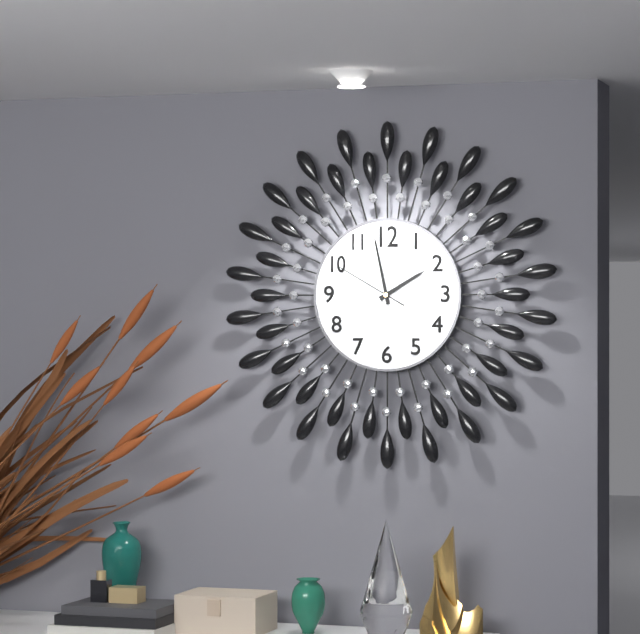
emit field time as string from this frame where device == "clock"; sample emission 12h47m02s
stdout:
1h58m50s
